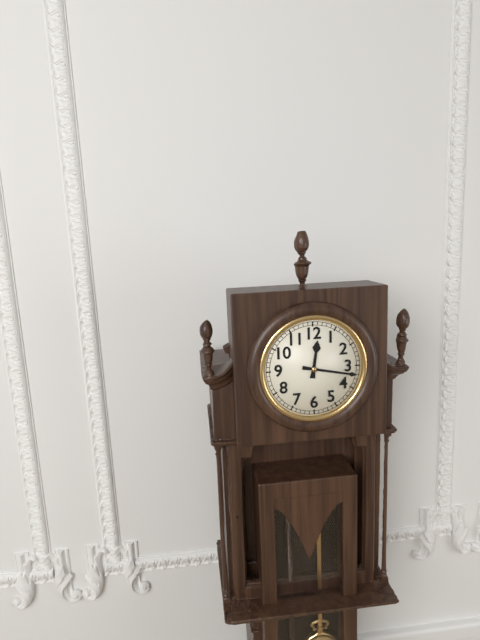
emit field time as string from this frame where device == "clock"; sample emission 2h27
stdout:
12h17
